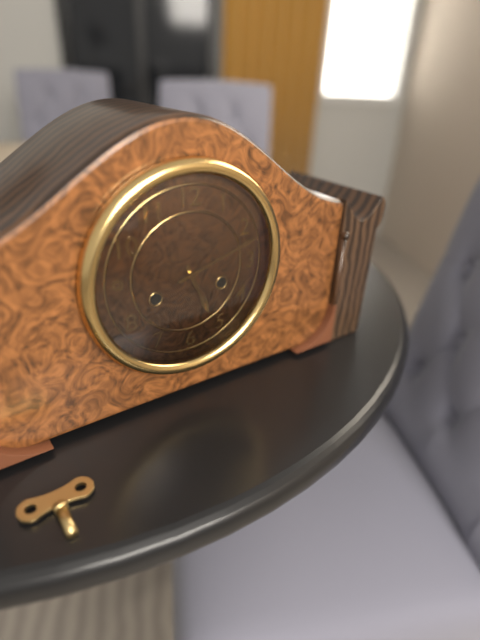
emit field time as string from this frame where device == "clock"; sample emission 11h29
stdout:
5h12
